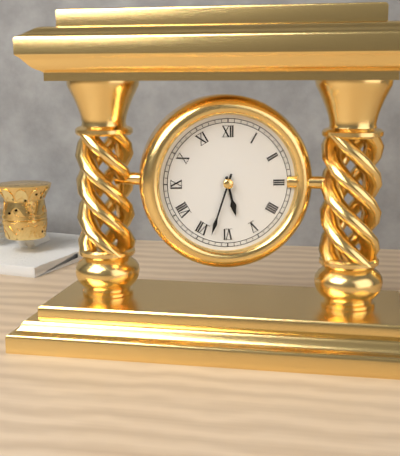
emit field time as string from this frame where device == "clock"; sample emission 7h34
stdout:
5h33
